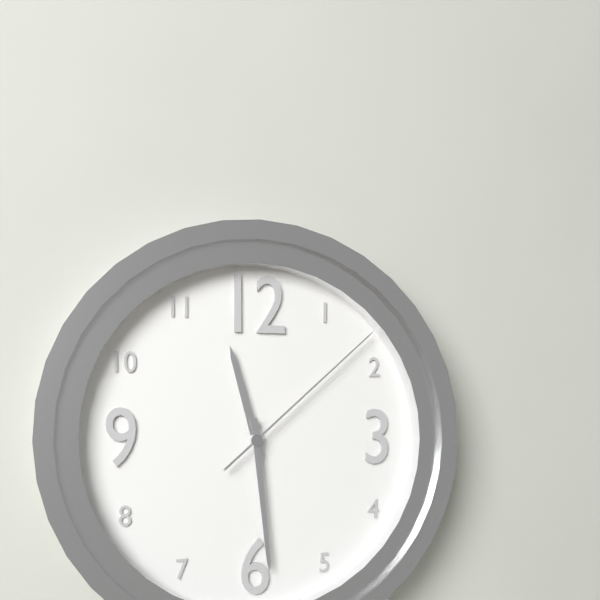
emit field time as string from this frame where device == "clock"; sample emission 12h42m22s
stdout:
11h29m08s
